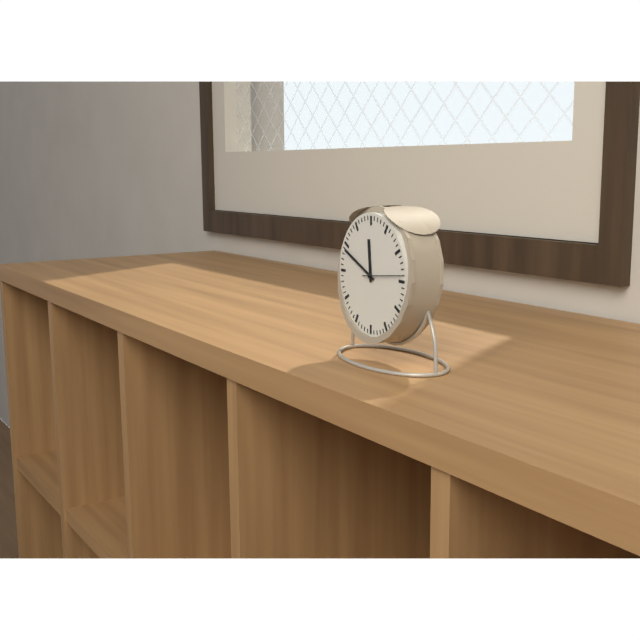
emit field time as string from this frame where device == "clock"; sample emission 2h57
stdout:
11h49
